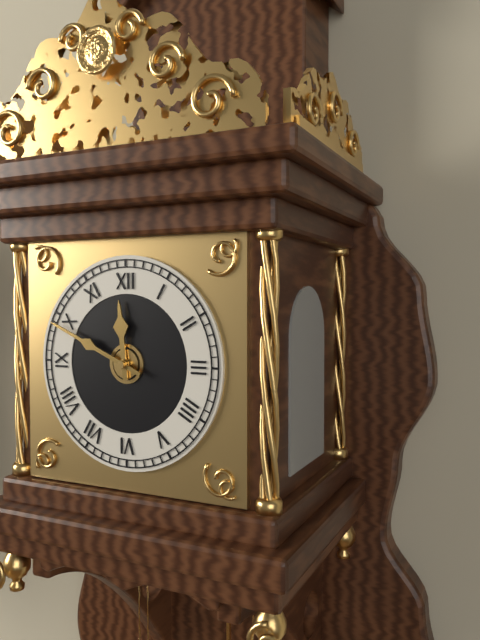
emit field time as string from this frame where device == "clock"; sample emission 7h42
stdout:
11h49
